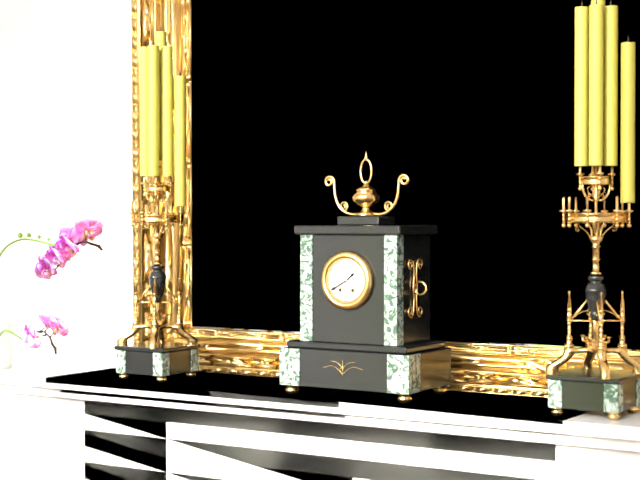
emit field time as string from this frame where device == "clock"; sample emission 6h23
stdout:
1h40
